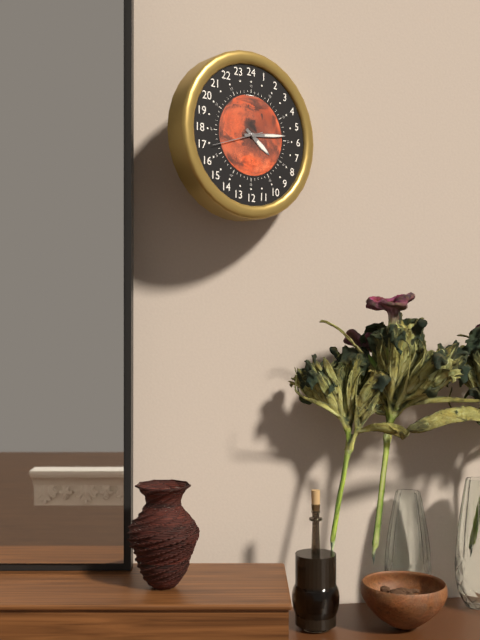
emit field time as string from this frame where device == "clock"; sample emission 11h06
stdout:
4h14
